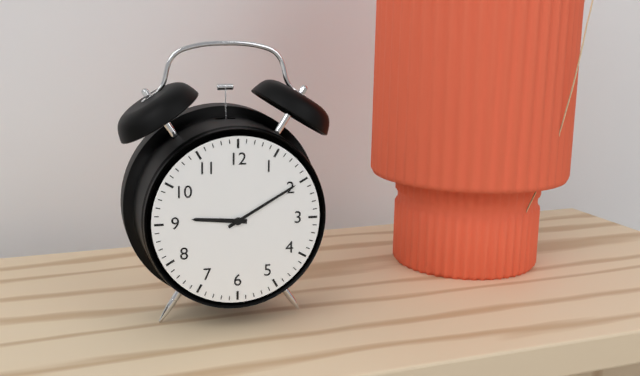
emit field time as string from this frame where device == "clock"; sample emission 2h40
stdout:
9h10
